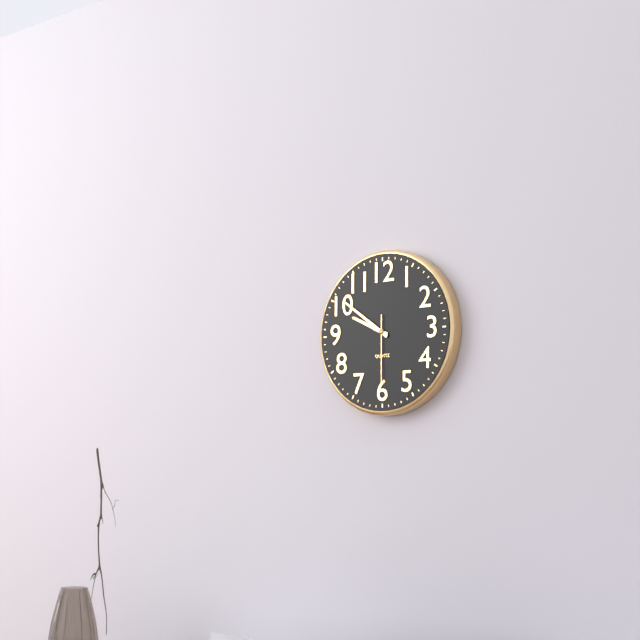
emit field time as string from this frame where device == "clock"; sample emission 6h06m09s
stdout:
9h51m30s
